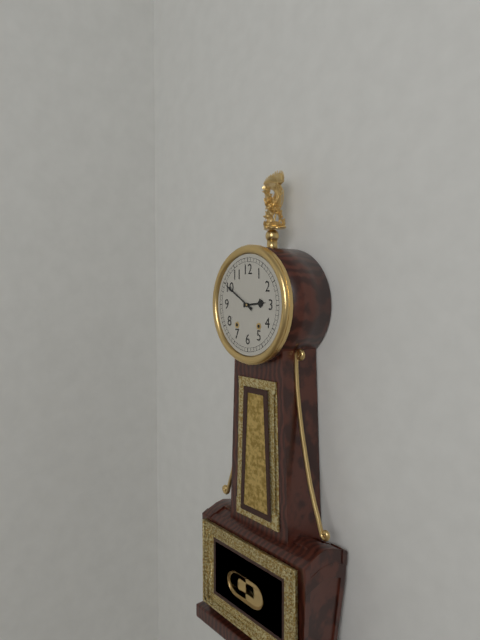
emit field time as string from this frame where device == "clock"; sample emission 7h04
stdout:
2h50
